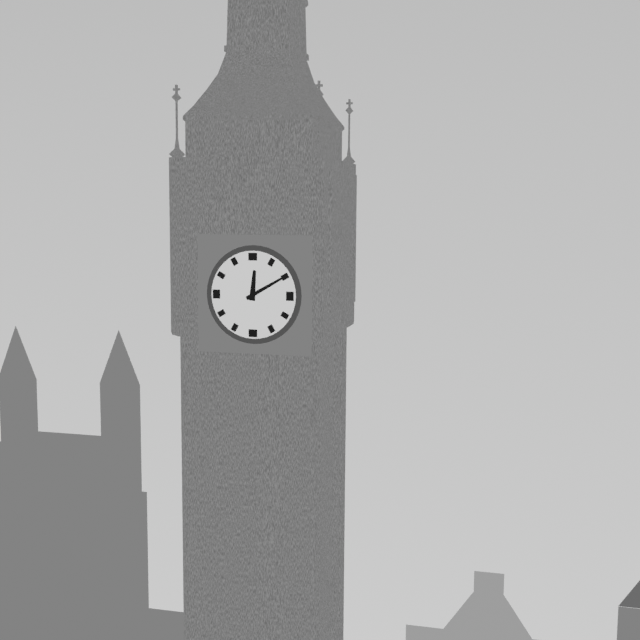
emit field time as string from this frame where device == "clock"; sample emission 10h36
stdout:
12h10
